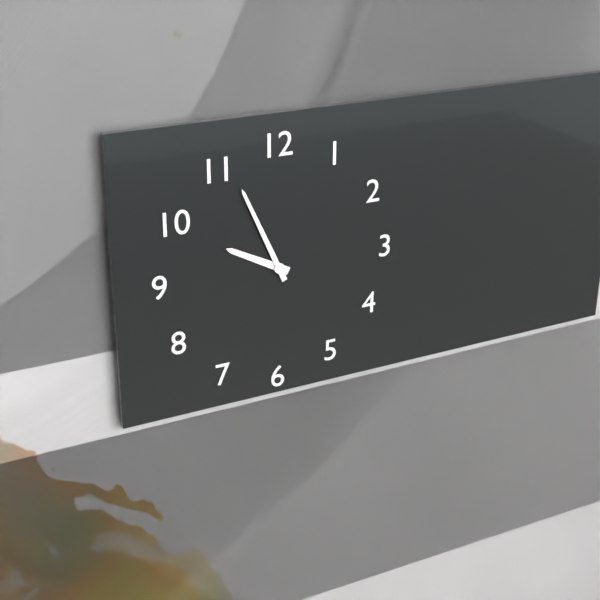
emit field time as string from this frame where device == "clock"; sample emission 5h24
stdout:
9h56
